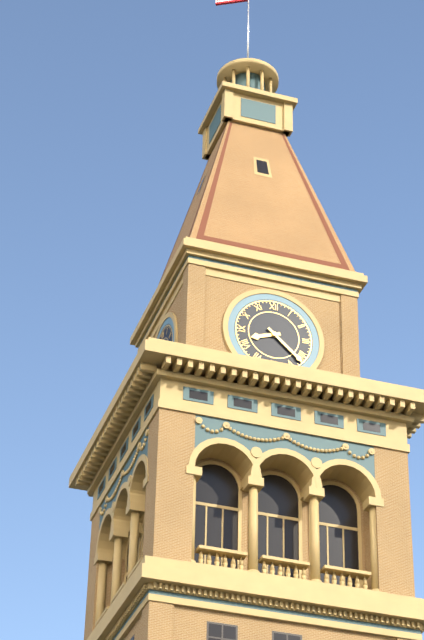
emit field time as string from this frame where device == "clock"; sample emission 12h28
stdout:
8h22
